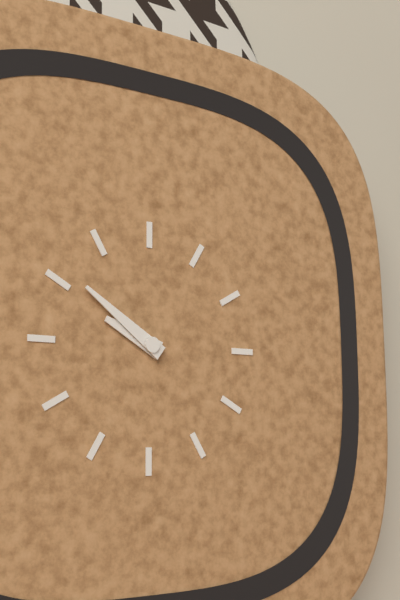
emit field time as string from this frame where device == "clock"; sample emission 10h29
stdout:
9h51
